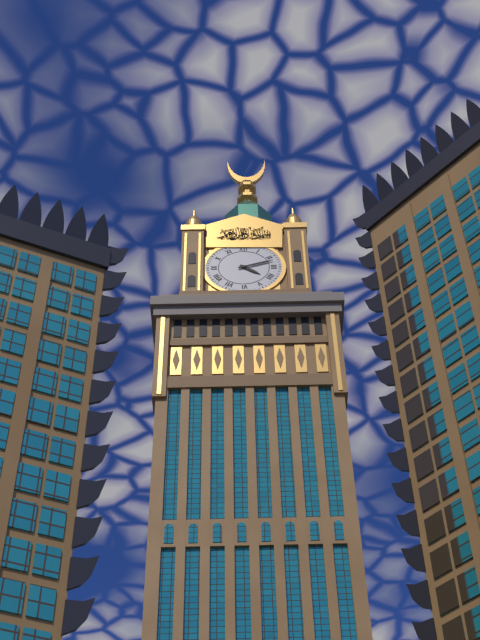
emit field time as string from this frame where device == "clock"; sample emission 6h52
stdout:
4h12
